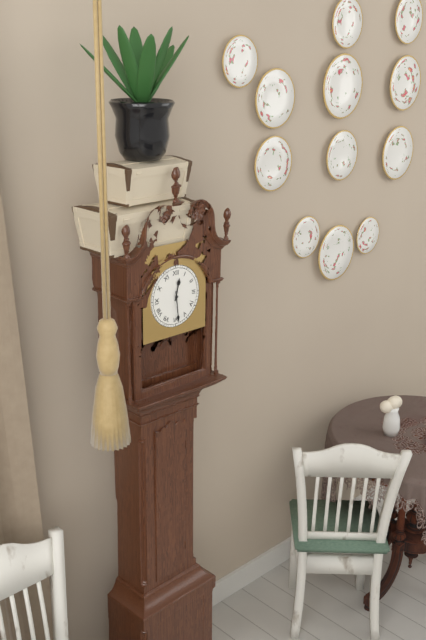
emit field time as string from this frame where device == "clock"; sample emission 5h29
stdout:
12h29
